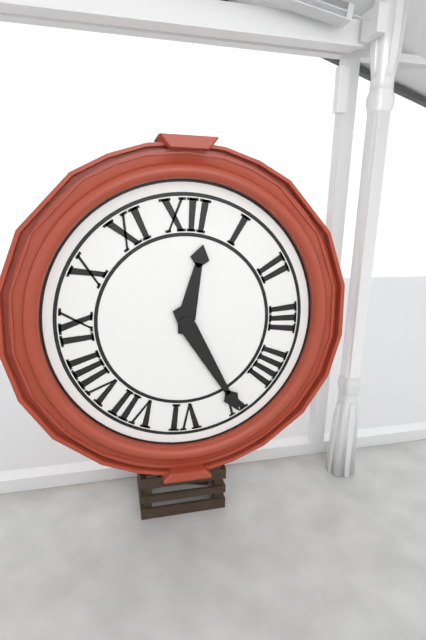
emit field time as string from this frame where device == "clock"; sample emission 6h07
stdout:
12h25
